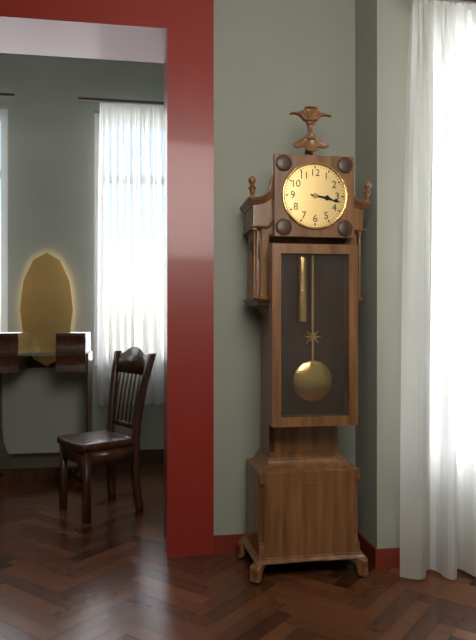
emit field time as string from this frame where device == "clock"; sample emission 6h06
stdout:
3h17
